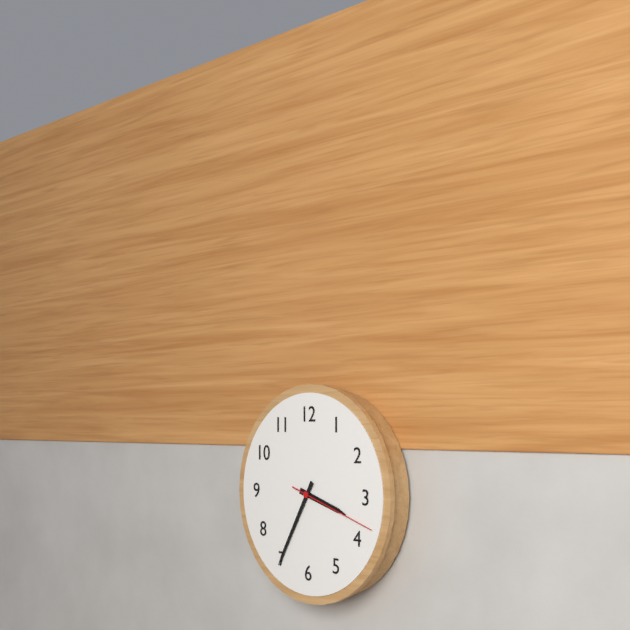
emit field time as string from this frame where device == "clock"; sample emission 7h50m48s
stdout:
3h35m18s
